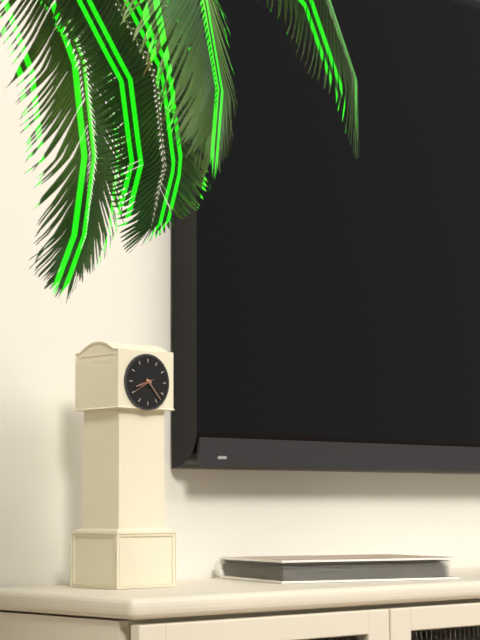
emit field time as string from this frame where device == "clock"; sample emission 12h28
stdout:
8h23
